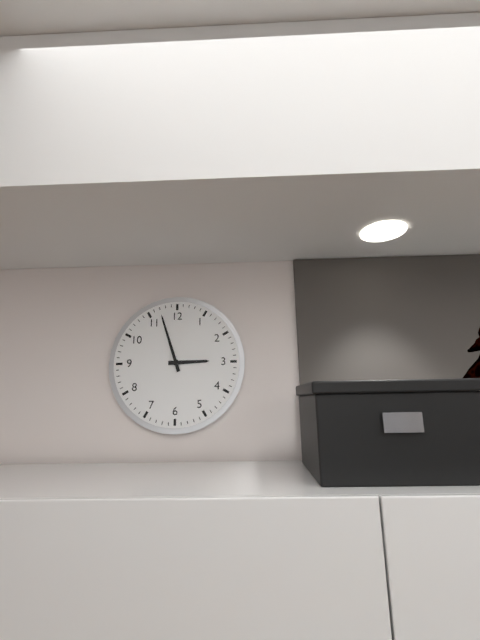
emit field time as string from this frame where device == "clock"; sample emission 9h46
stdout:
2h57
